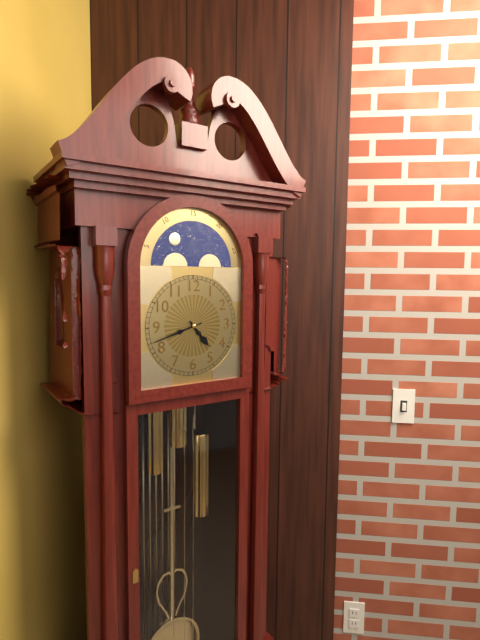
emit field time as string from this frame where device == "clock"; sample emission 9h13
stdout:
4h42
